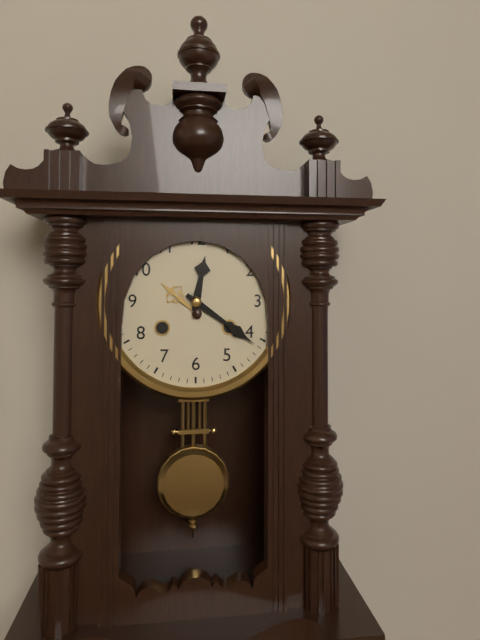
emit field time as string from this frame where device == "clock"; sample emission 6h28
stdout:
12h21
